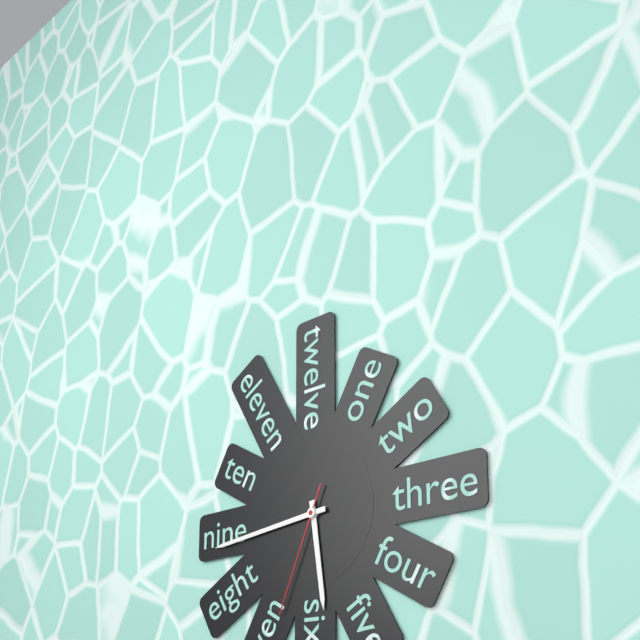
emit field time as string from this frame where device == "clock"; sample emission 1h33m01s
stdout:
5h44m34s
